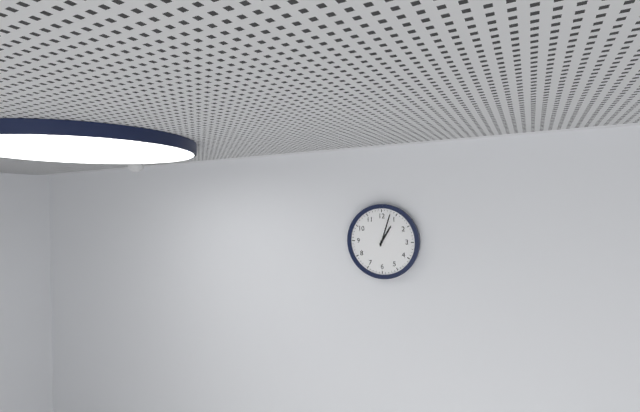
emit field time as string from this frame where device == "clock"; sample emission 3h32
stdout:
1h03
